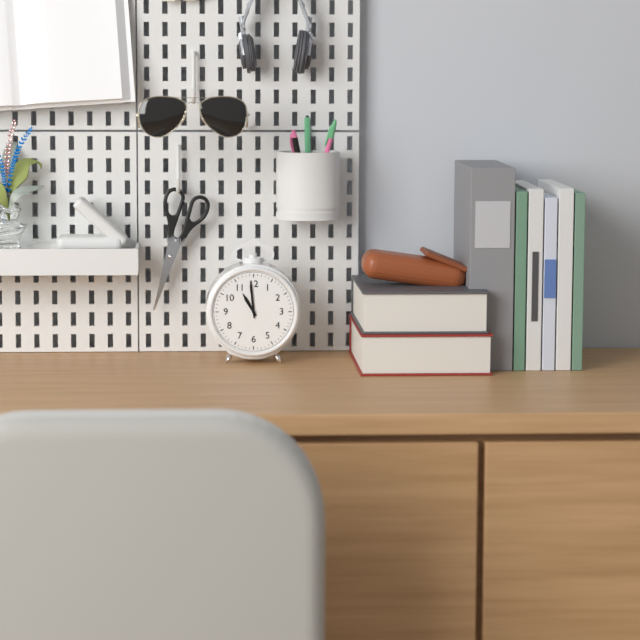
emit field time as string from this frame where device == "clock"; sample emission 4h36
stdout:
10h59
